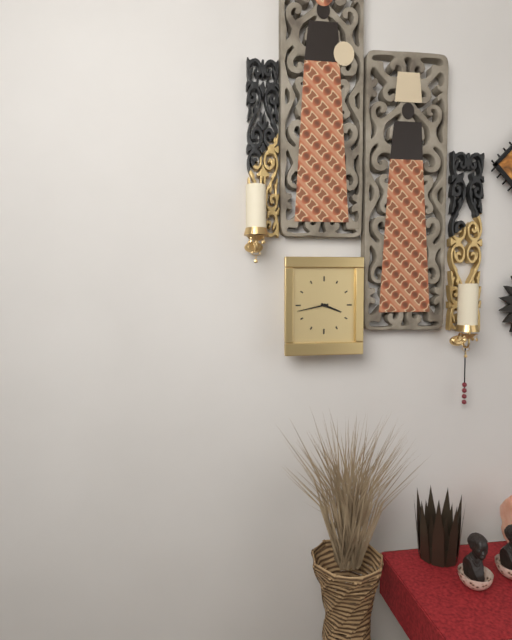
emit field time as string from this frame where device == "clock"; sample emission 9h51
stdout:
3h43
